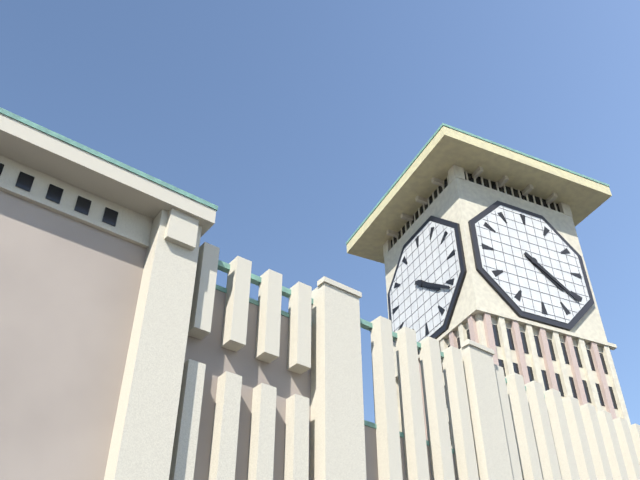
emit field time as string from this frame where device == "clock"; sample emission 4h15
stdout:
4h21
